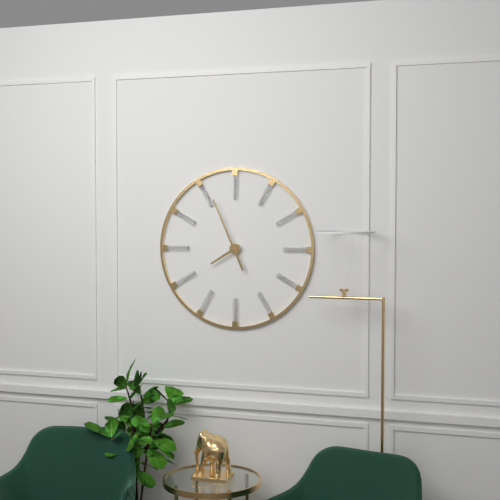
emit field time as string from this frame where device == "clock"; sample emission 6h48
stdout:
7h56
